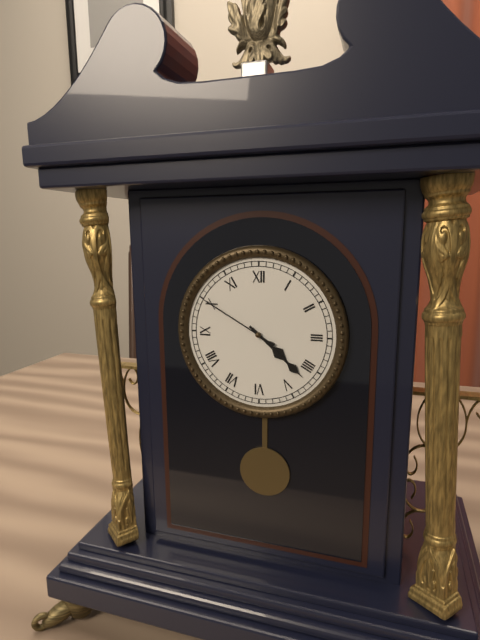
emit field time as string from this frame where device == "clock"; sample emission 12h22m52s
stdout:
4h22m50s
